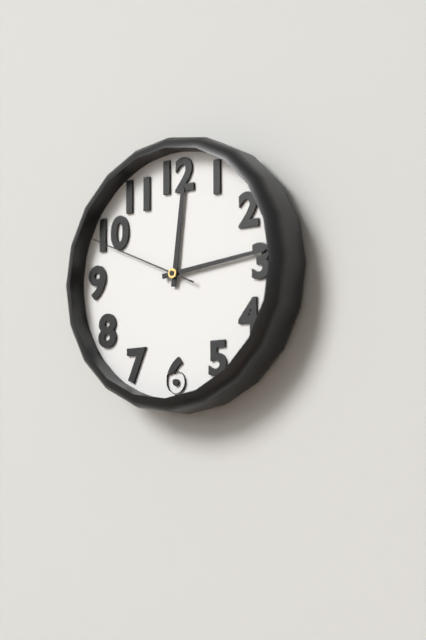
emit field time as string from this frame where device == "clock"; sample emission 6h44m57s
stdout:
12h14m49s
